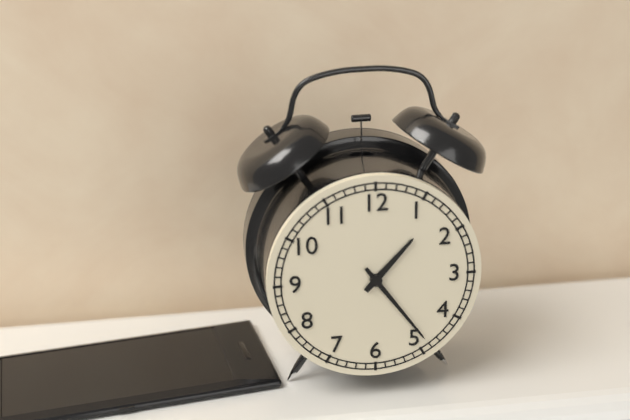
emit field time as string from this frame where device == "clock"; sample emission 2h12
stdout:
1h24
